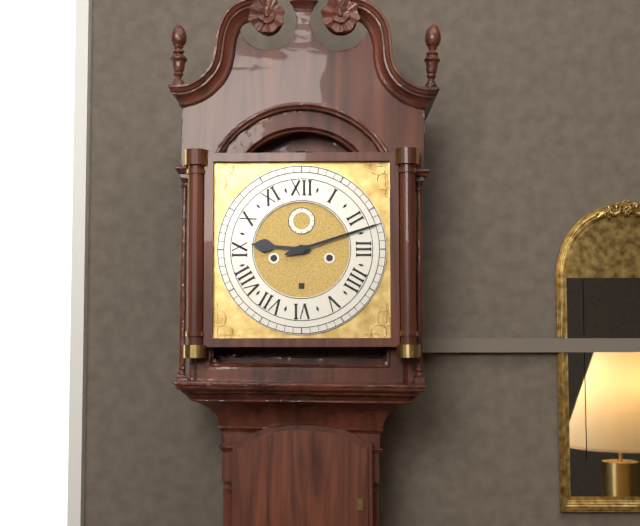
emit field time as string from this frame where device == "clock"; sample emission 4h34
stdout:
9h12
